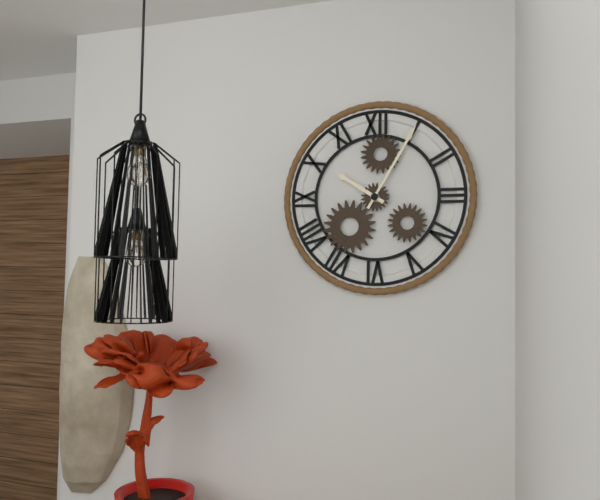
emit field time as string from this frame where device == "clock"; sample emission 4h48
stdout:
10h05
